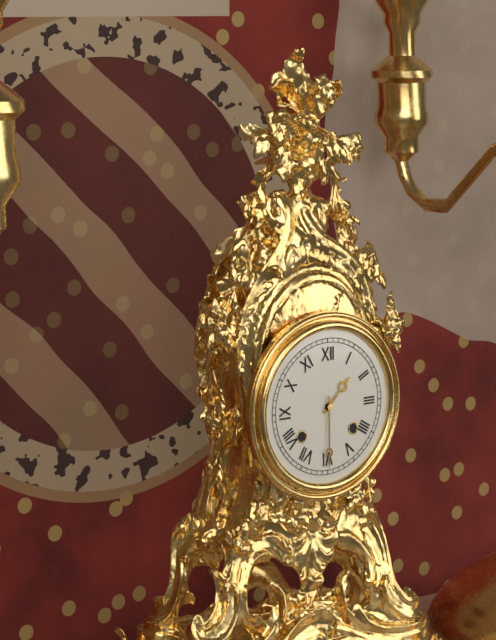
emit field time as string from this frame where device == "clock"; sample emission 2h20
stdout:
1h30
